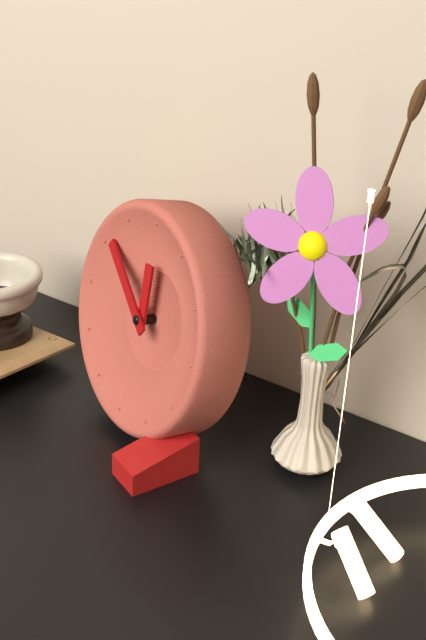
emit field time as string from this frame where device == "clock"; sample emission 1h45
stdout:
11h51
